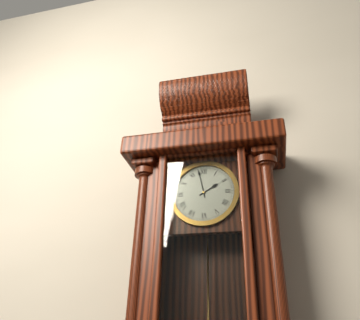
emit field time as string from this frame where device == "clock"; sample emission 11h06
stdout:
1h58
